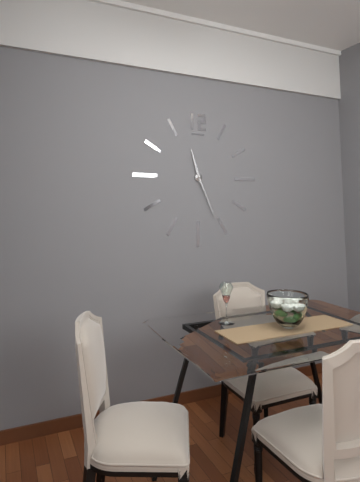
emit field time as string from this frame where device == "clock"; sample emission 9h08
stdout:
11h26
